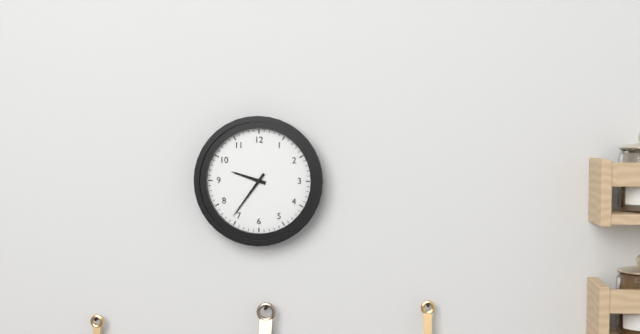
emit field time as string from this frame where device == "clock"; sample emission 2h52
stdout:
9h36
